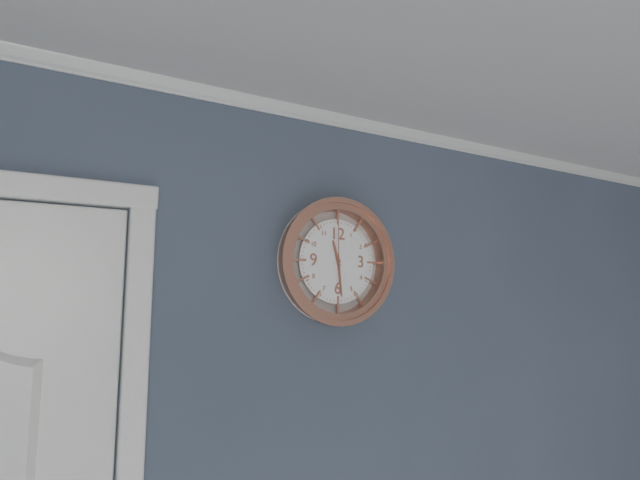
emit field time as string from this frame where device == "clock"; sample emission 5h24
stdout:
11h29
